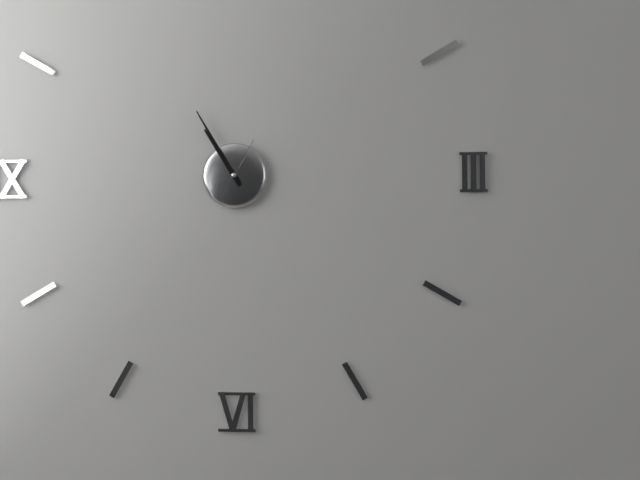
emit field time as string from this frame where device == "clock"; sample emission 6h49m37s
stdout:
10h55m05s
